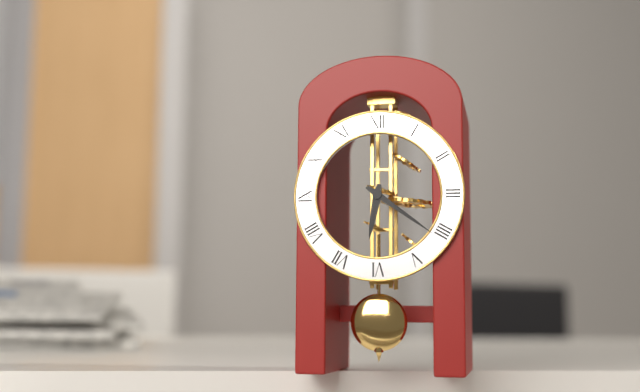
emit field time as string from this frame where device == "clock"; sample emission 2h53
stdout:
6h21
